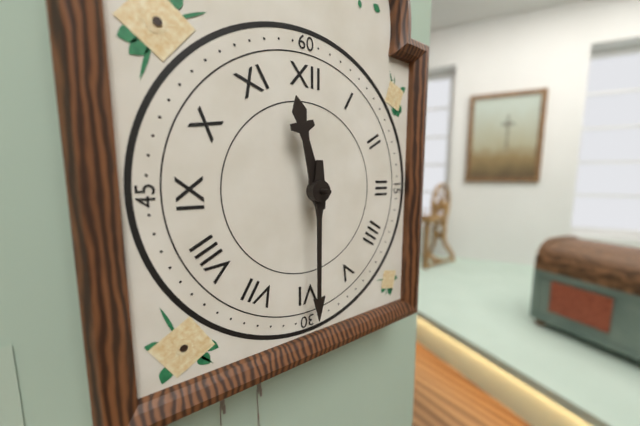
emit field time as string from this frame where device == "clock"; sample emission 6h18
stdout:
11h30
